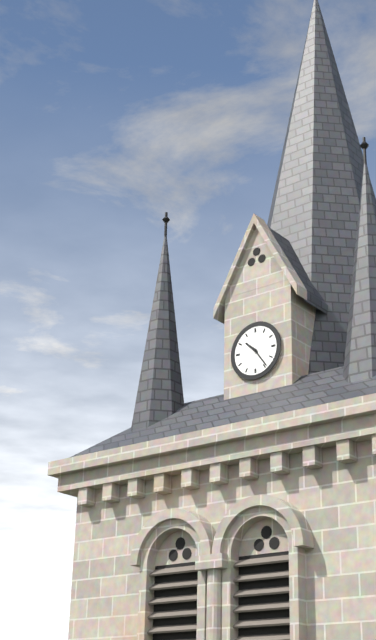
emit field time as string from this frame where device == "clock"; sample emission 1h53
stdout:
10h24
